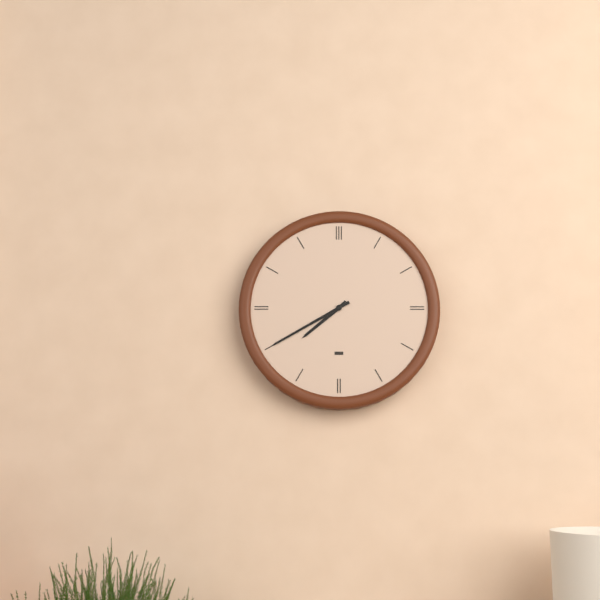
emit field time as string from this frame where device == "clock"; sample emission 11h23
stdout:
7h40
